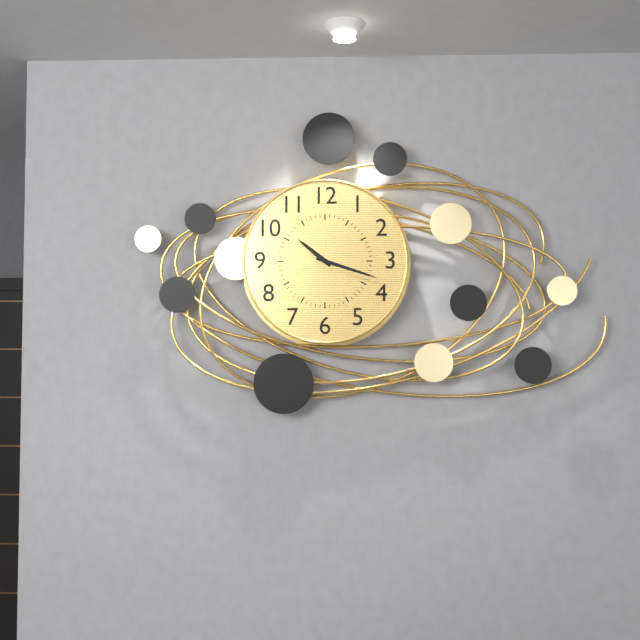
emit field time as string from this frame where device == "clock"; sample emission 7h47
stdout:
10h18
